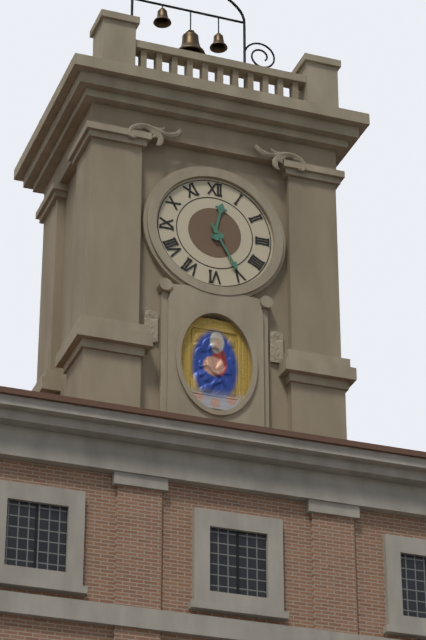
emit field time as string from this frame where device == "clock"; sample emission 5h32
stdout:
12h25
